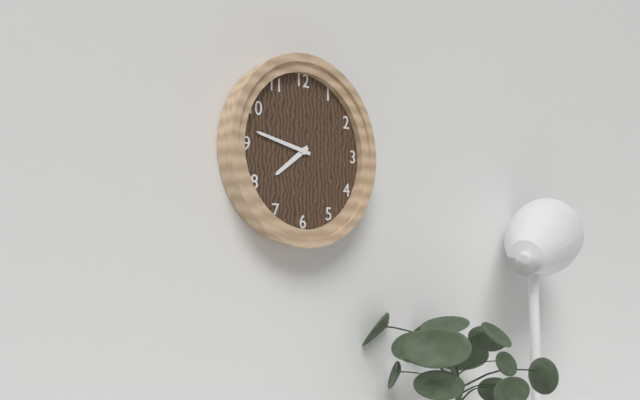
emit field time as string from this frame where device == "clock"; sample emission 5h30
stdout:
7h47
